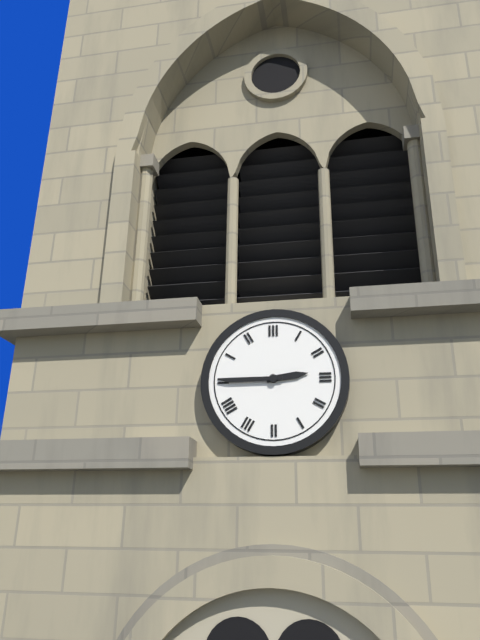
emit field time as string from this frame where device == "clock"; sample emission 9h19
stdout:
2h45
